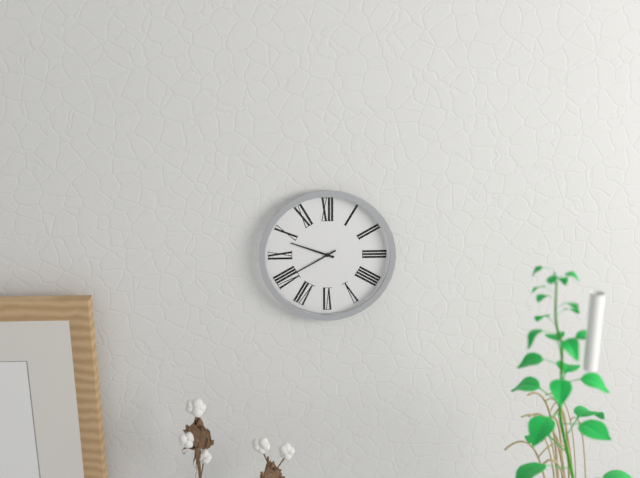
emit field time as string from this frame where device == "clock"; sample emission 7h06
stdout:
9h40
